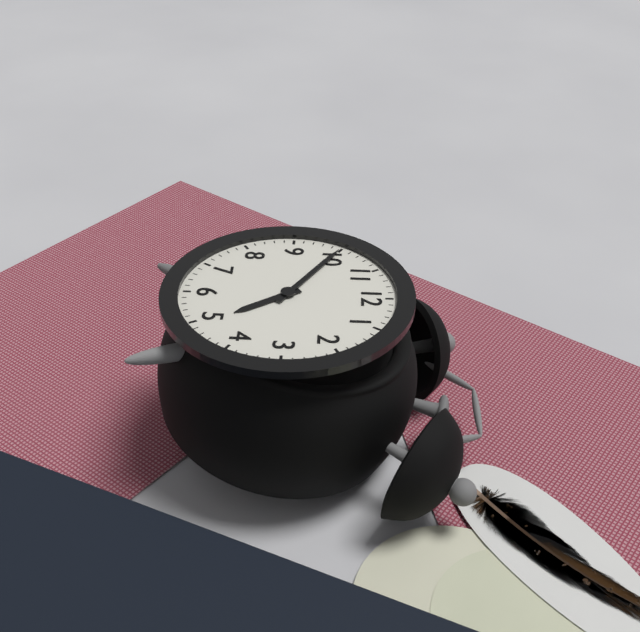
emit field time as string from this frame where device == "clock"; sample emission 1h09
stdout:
4h50
